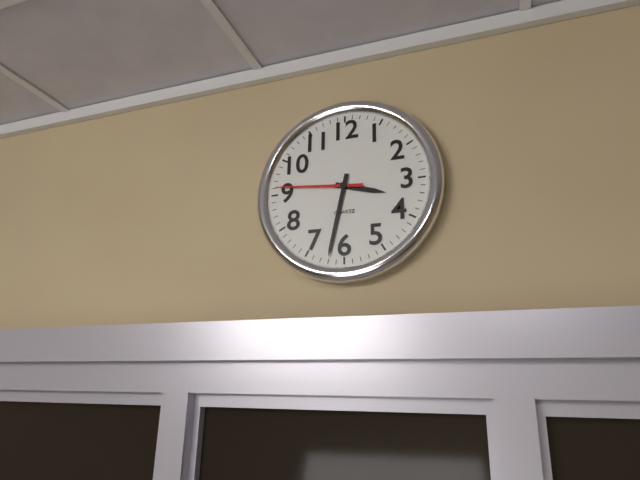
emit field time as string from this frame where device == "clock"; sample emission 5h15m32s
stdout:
3h32m46s
